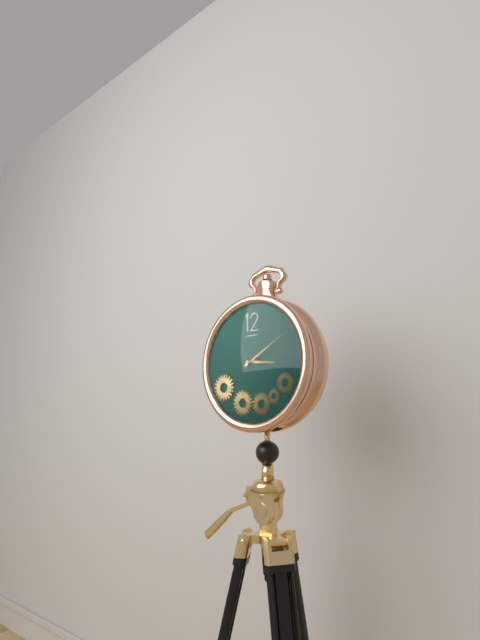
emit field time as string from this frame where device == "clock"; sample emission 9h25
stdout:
3h10
